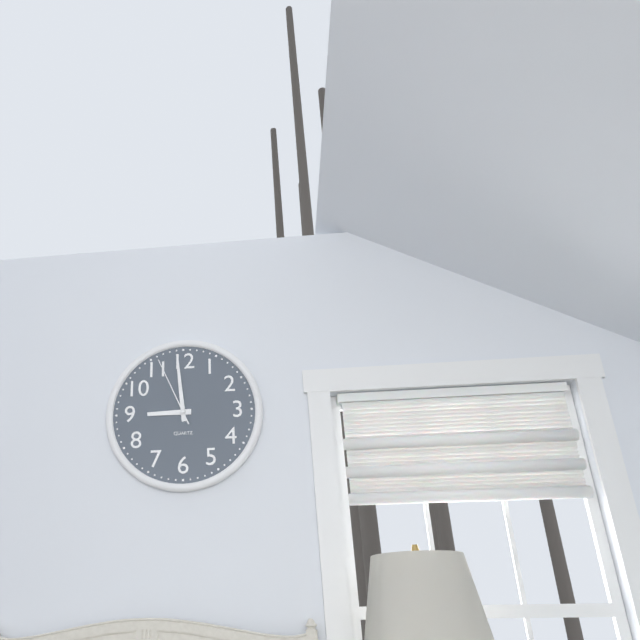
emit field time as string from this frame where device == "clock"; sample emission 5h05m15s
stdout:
8h59m56s
